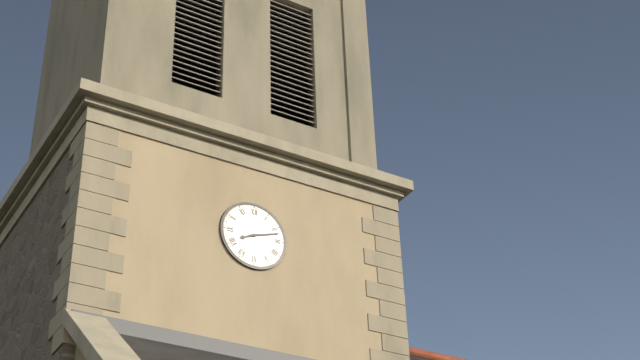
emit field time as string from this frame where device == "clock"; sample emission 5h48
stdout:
8h12
